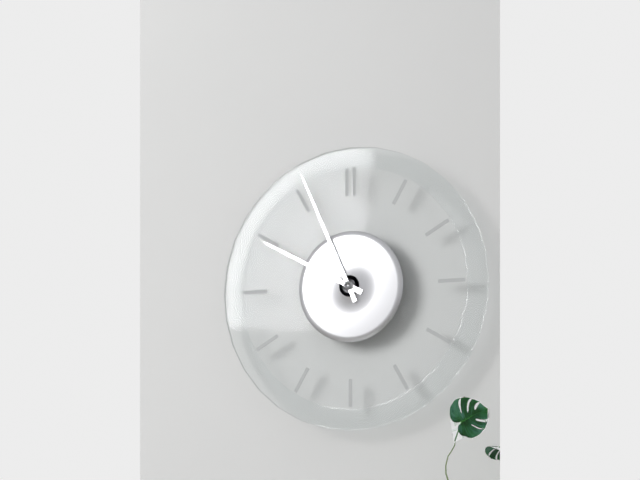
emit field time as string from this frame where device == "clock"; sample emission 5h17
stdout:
9h56
